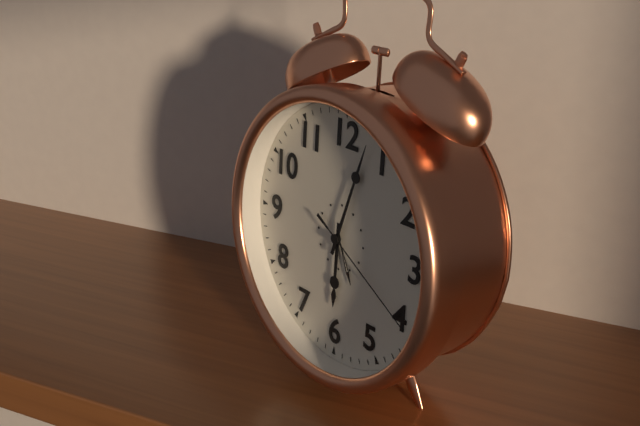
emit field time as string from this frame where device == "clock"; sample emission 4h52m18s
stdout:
6h03m20s
